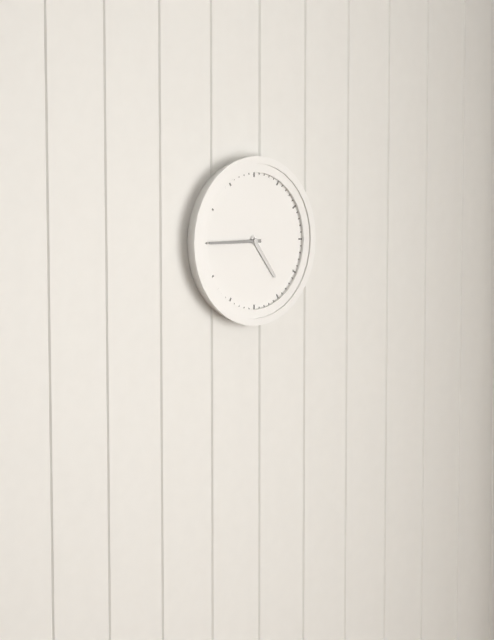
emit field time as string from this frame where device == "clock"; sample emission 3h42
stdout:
4h45
